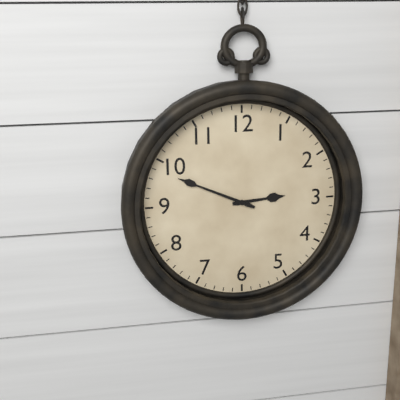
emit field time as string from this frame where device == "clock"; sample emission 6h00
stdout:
2h49
